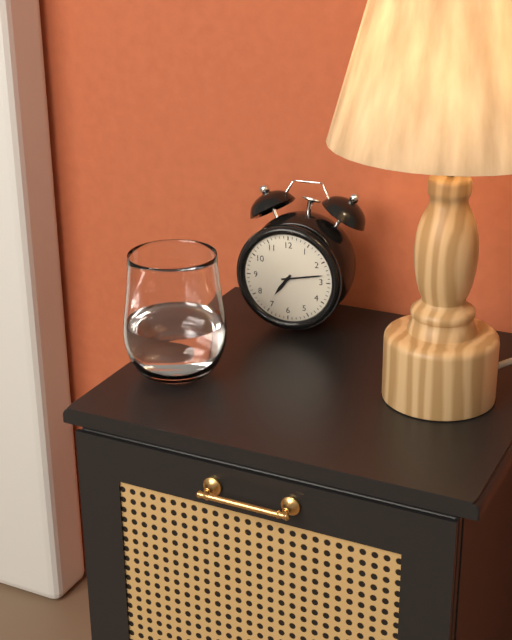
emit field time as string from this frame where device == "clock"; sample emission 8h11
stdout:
7h13
